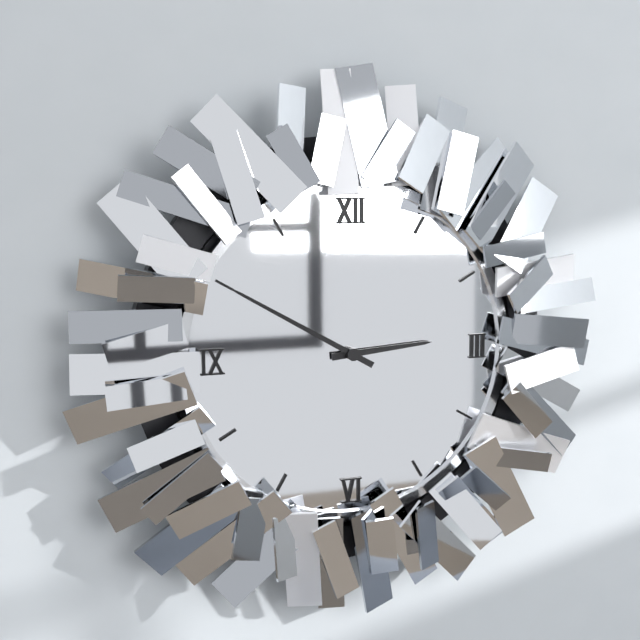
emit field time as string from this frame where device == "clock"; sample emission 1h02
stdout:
2h50
